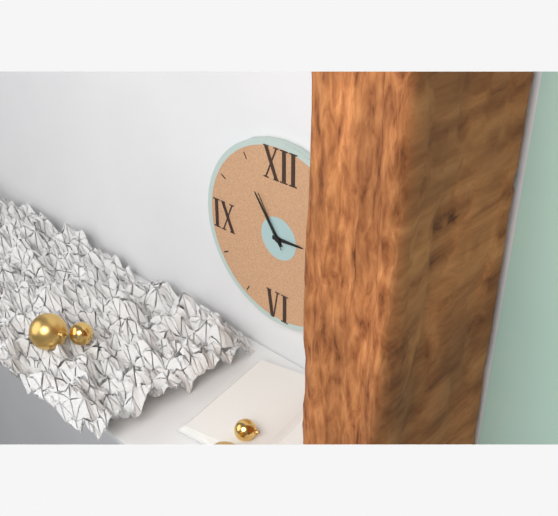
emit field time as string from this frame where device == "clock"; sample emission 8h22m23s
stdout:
2h54m55s
